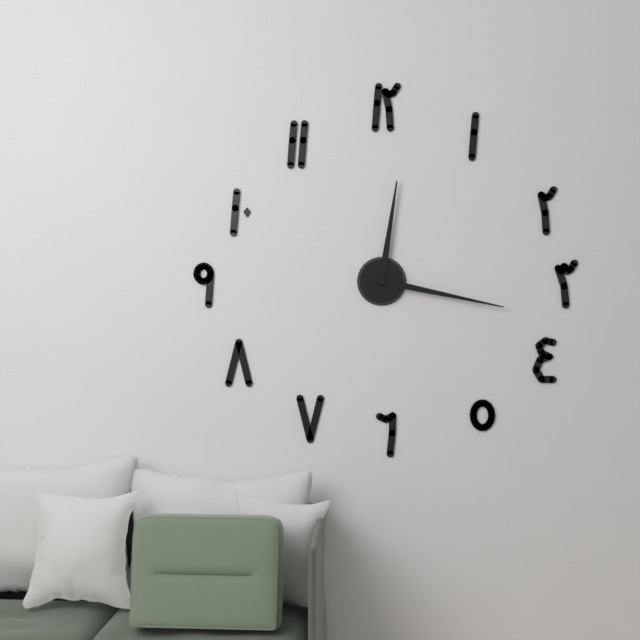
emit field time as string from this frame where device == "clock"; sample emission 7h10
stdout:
12h17
